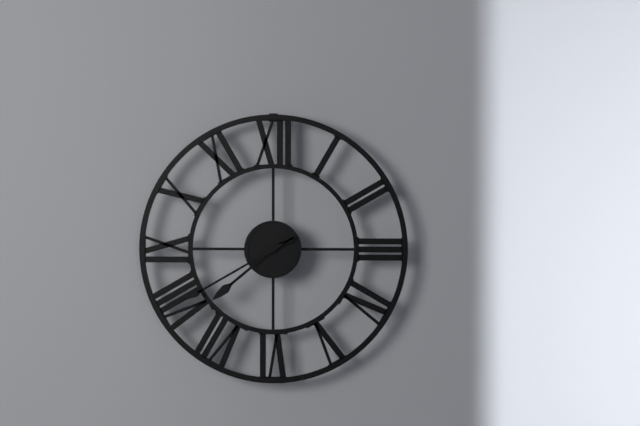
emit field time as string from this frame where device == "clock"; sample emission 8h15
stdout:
7h40
